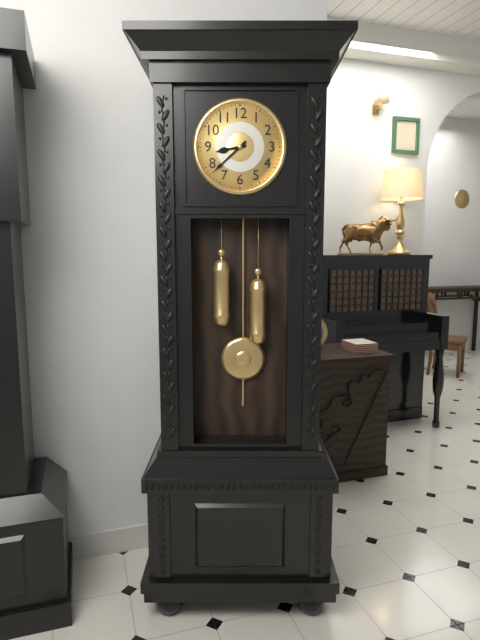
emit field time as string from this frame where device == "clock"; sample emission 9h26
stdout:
8h38
